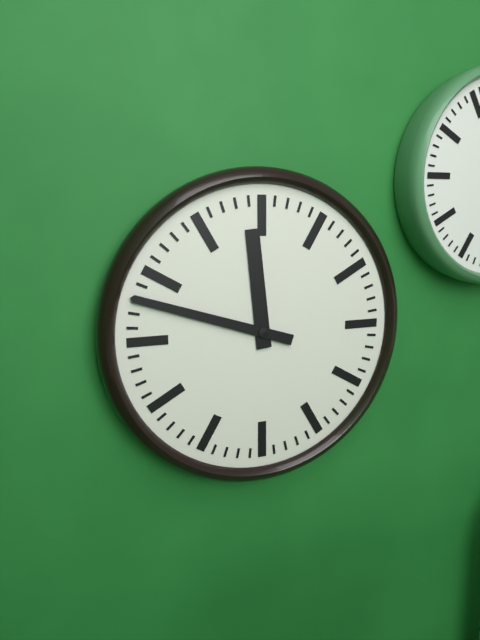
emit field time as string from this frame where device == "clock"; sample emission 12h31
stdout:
11h48
